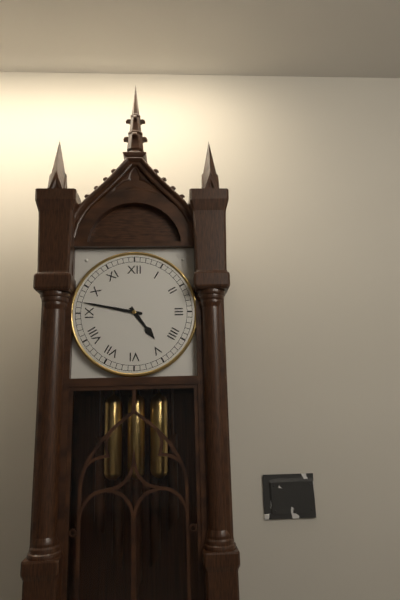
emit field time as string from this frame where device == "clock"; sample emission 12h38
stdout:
4h47
